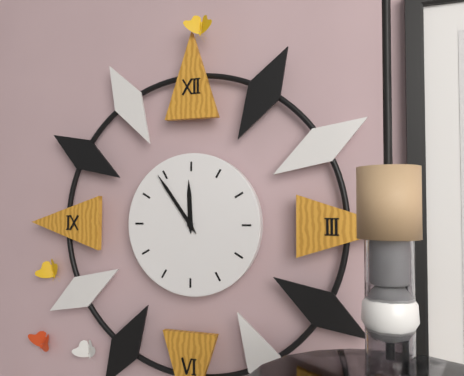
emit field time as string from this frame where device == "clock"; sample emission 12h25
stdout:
11h54
